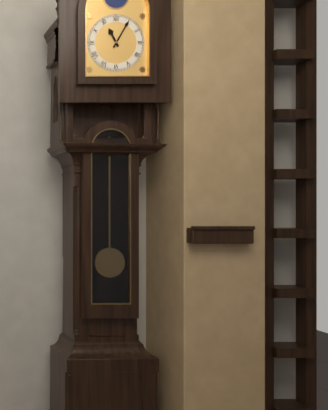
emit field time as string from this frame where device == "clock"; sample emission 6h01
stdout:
11h05
